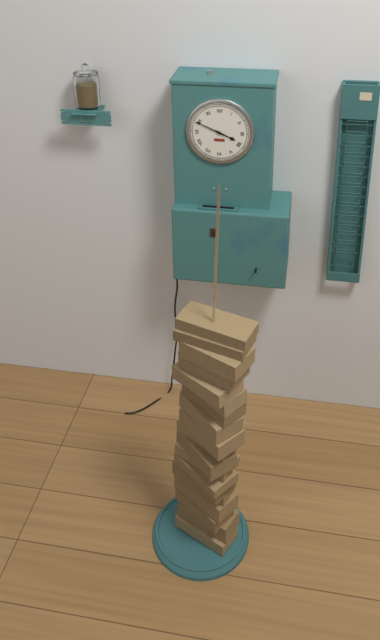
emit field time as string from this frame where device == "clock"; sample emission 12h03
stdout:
3h49
